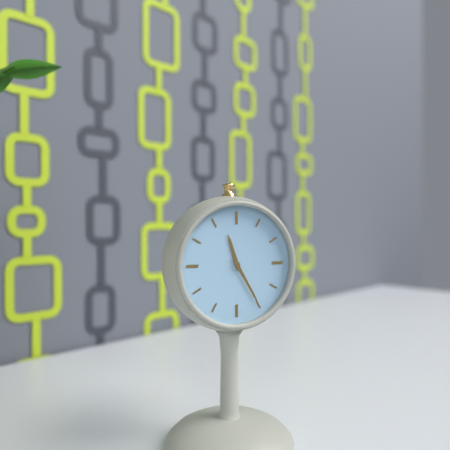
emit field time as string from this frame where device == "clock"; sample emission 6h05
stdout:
11h25
